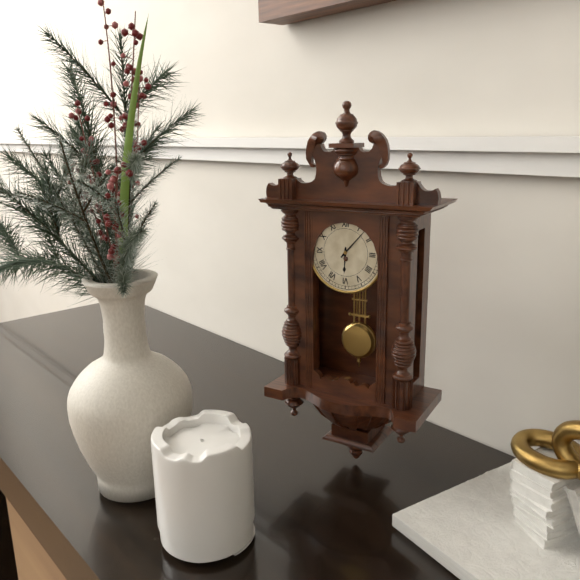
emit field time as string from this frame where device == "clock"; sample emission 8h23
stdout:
6h07
